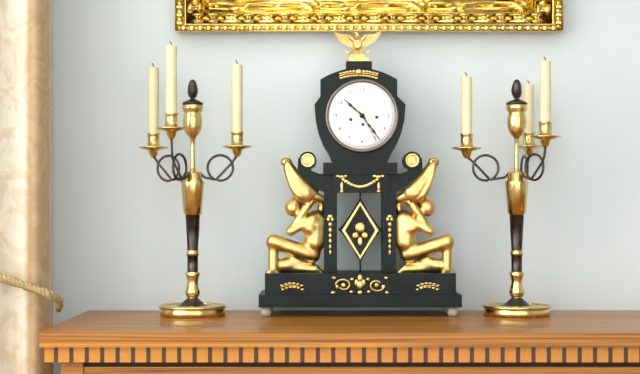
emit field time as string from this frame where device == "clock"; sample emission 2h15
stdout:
10h24
